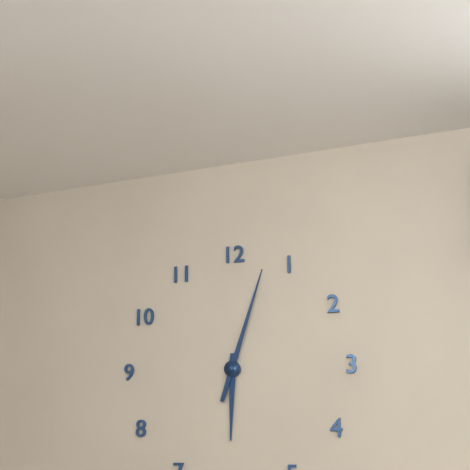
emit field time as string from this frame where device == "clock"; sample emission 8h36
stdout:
6h03
